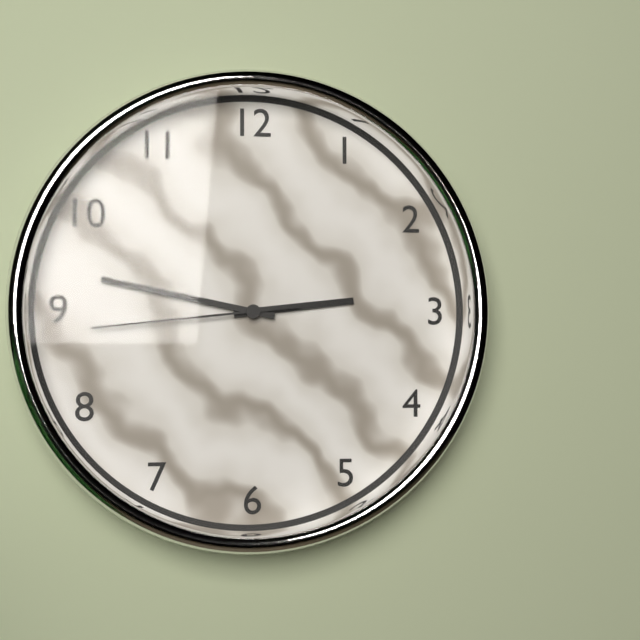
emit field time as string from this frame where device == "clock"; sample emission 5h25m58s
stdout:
2h47m44s
